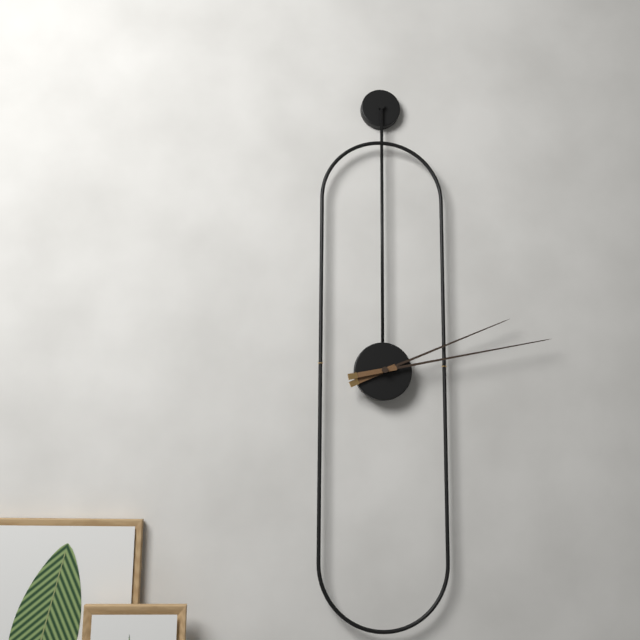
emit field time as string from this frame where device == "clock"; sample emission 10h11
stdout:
2h13
